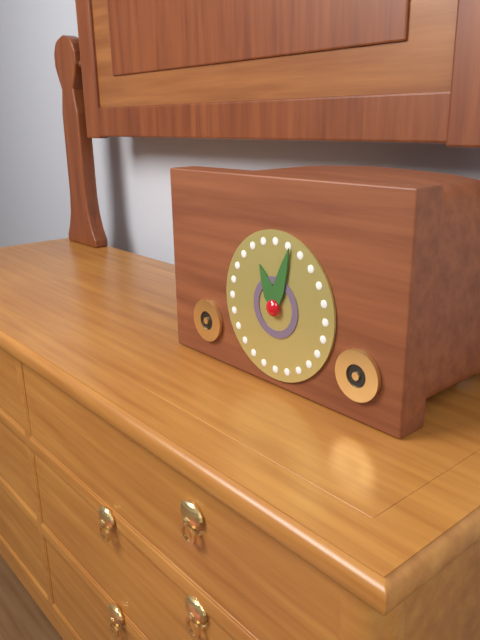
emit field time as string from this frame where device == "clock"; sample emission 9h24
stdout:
11h03
